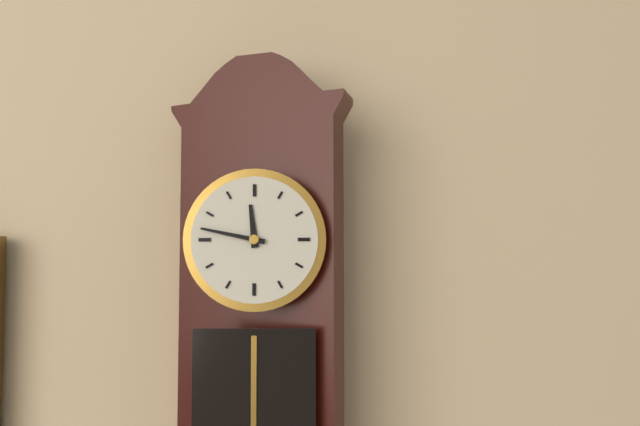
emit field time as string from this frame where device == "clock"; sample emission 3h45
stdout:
11h47
